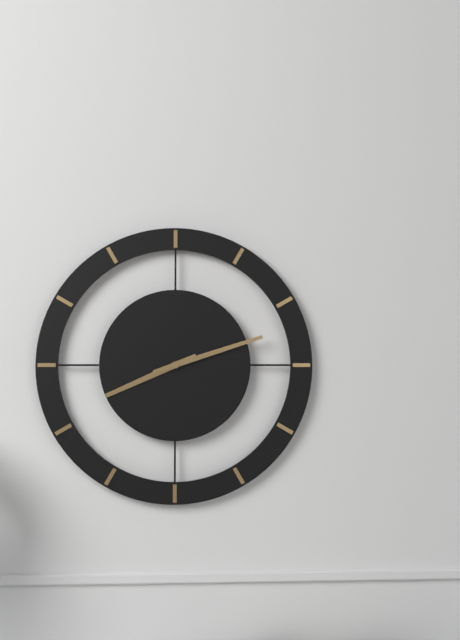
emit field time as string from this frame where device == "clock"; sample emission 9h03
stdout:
8h12
